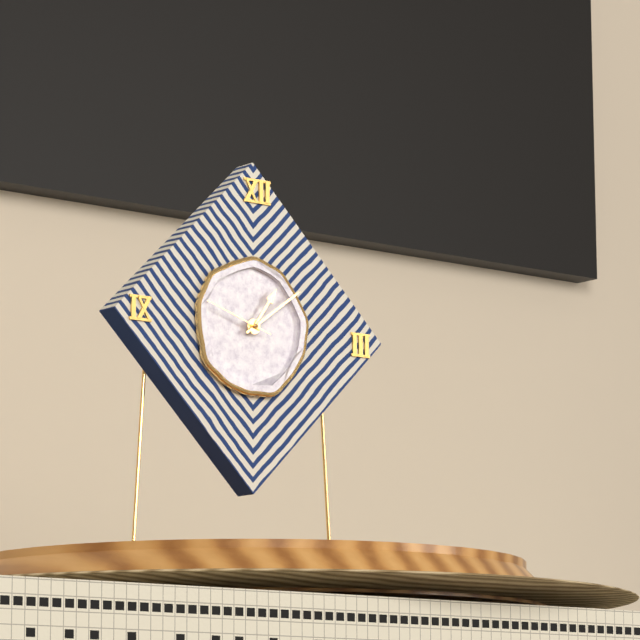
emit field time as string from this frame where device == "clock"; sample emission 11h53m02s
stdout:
1h09m48s
